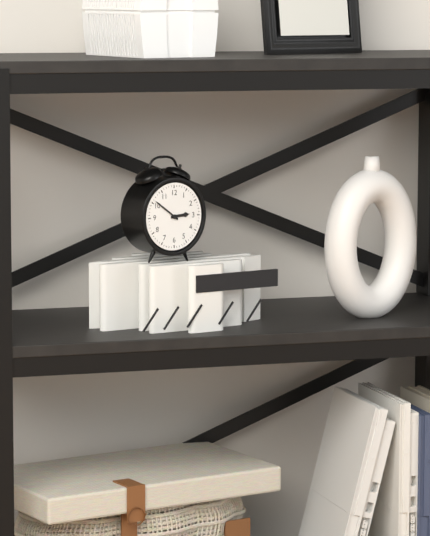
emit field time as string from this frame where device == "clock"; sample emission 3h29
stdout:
2h51
